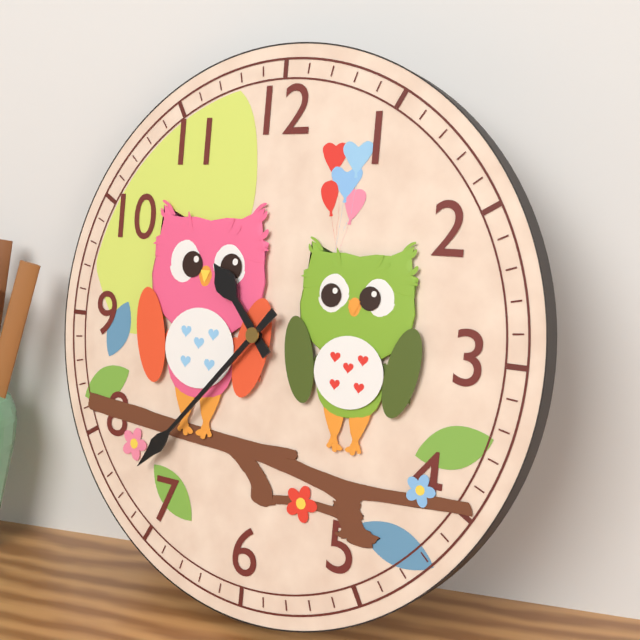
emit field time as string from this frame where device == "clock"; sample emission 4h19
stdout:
10h37
